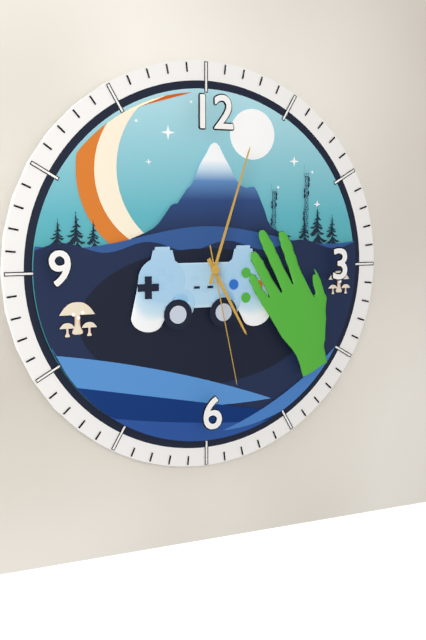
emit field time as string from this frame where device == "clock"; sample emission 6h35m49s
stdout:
5h03m28s
